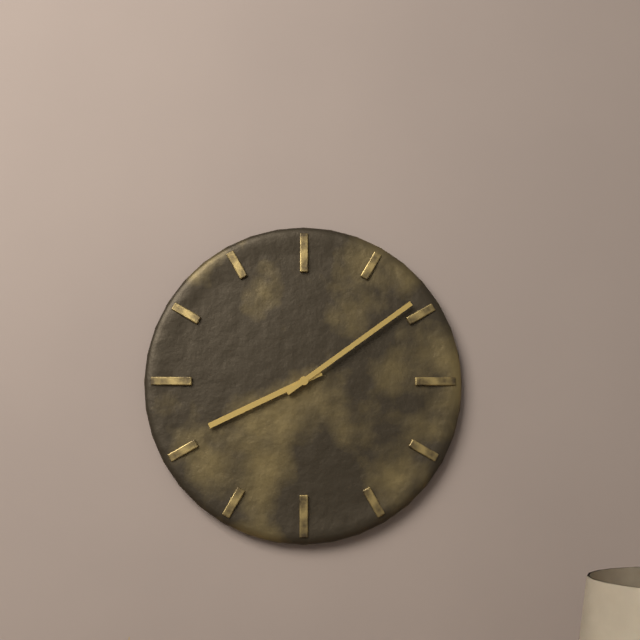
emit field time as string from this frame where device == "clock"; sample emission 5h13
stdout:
8h09
